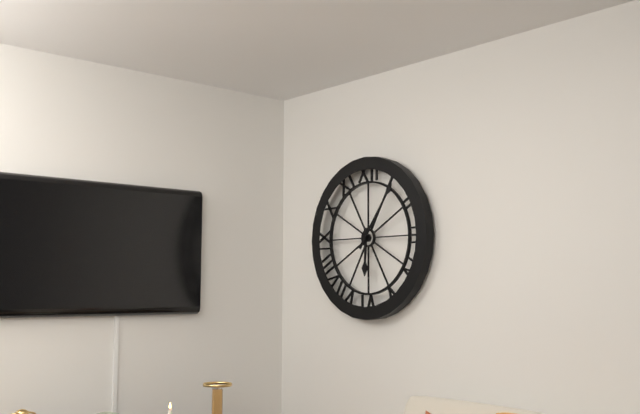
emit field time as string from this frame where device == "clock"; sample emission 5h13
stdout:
6h06
